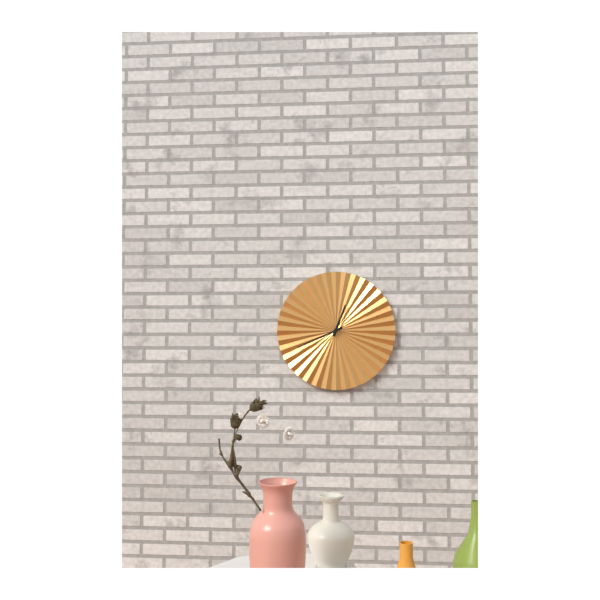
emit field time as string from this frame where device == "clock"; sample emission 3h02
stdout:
12h41
